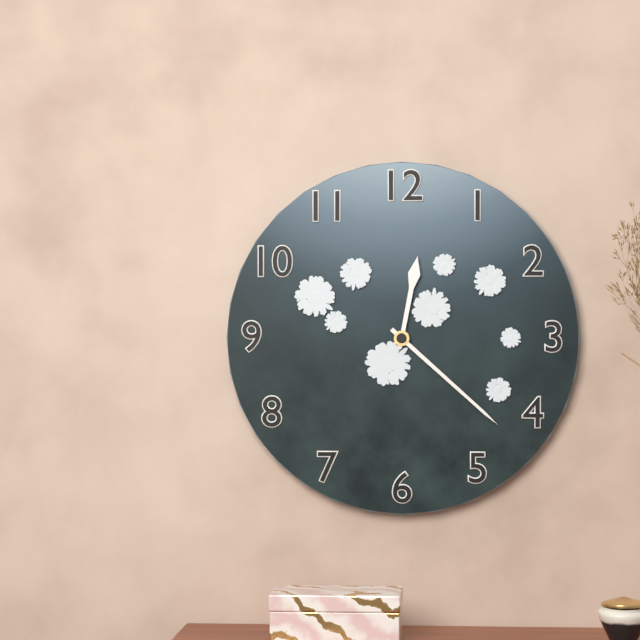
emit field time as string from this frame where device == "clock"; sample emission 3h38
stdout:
12h22
